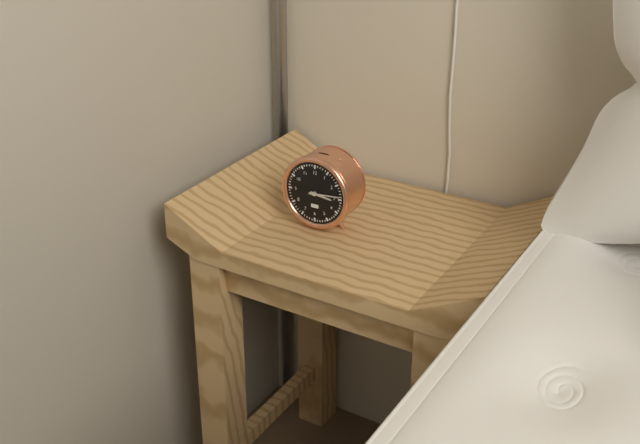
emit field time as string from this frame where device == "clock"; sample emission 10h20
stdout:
3h14
